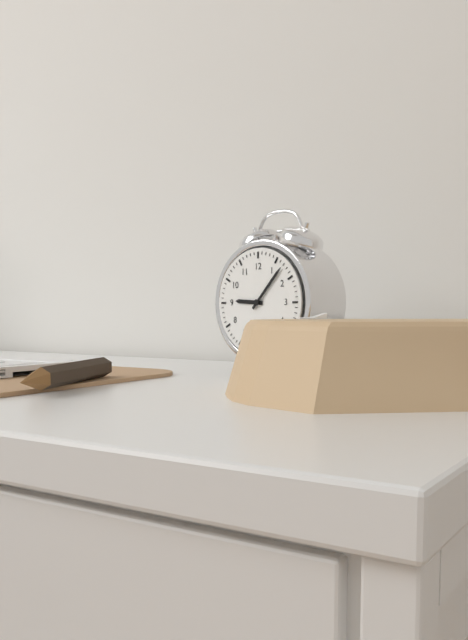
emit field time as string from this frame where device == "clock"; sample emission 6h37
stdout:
9h07
